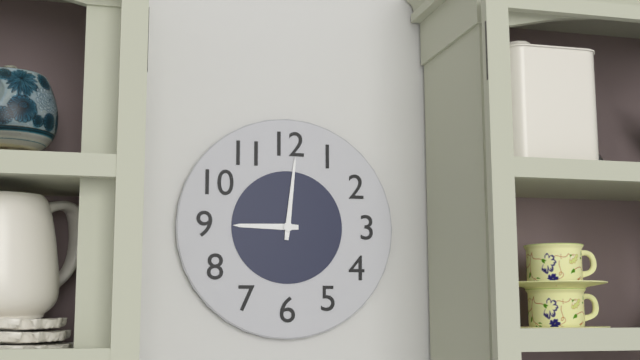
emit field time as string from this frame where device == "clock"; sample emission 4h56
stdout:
9h01
